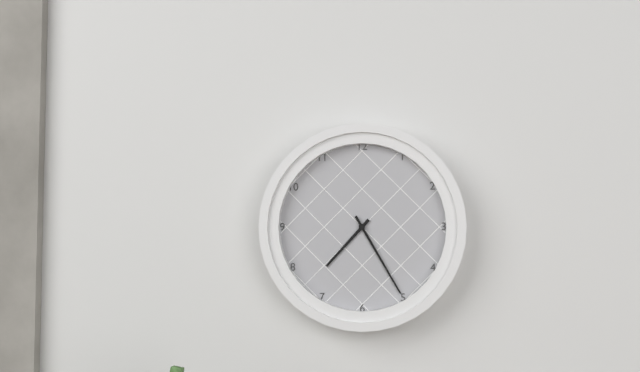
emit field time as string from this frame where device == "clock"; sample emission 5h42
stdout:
7h25
